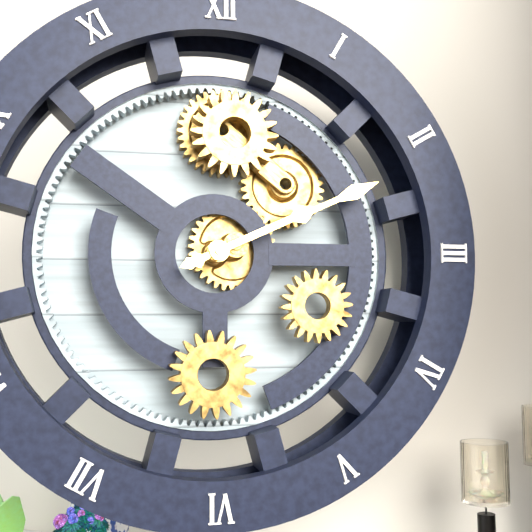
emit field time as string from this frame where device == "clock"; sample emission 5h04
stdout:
2h11
